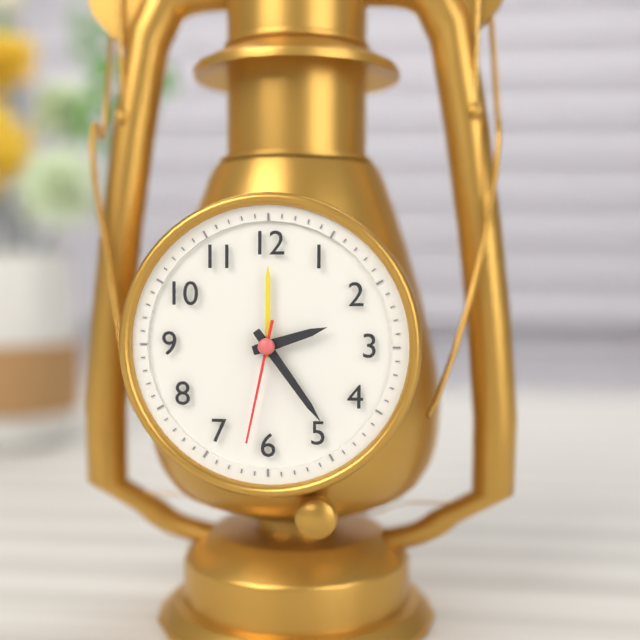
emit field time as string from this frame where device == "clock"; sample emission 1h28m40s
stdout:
2h24m32s
